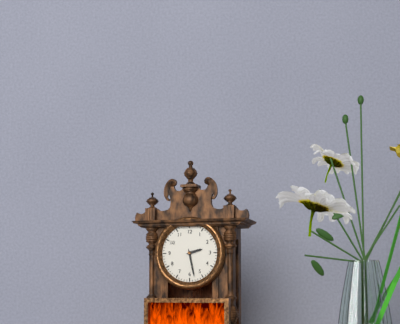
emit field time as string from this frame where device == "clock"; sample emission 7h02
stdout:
2h28
